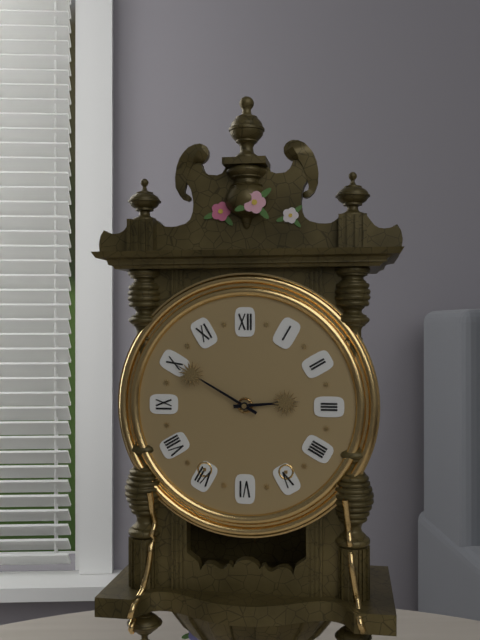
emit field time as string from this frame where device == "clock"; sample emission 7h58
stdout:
2h50
